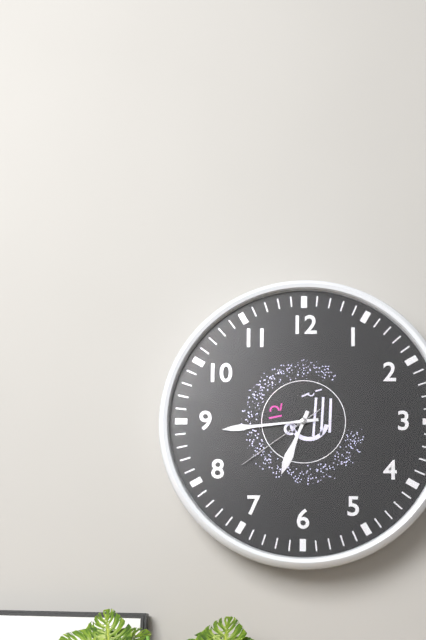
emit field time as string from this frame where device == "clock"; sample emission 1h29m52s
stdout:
6h44m39s
